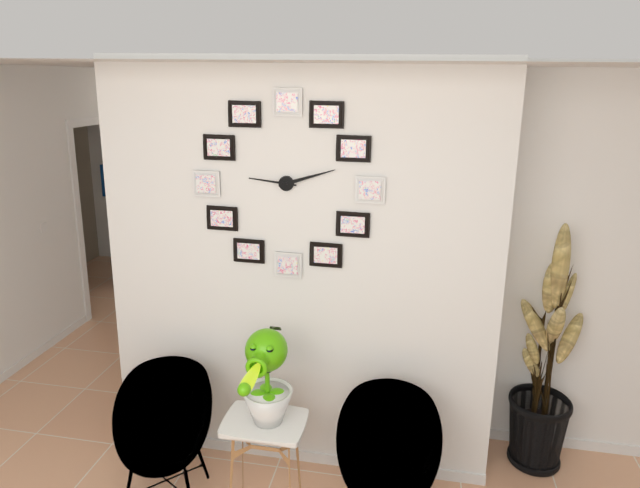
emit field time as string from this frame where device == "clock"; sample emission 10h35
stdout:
9h12
